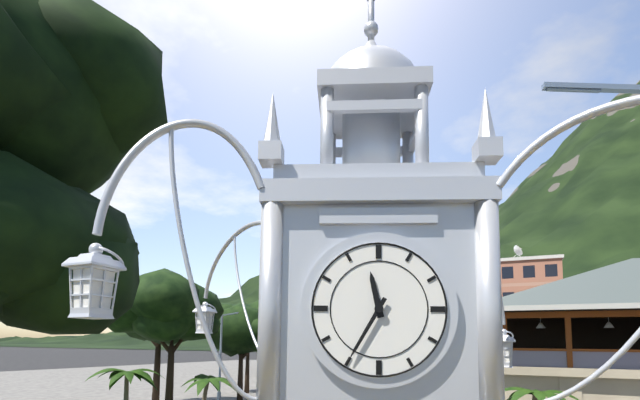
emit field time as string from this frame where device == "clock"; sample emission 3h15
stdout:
11h35
